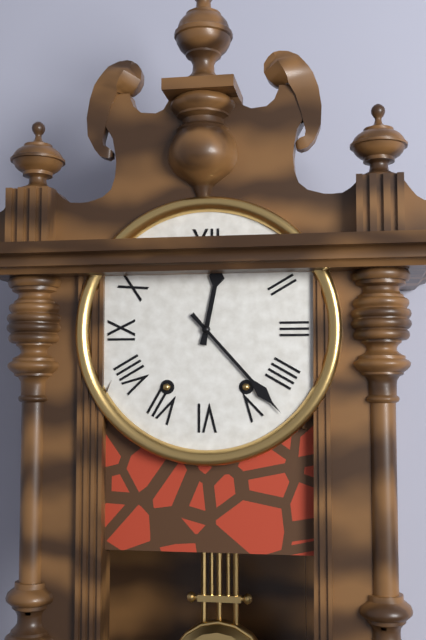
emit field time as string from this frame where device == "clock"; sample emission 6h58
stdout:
12h23
